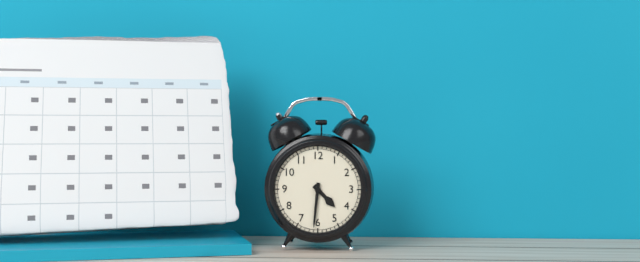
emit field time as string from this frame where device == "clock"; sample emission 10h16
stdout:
4h31
